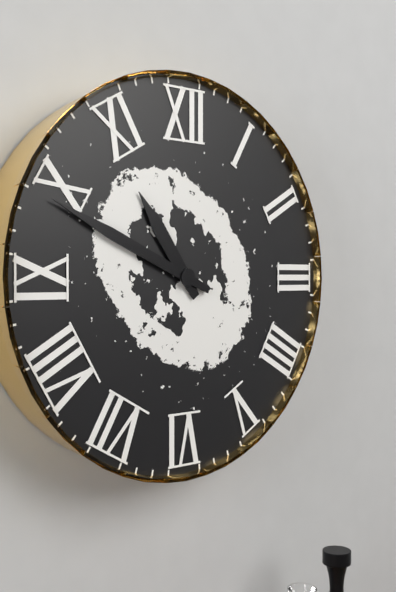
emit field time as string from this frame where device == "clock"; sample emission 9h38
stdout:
10h49
